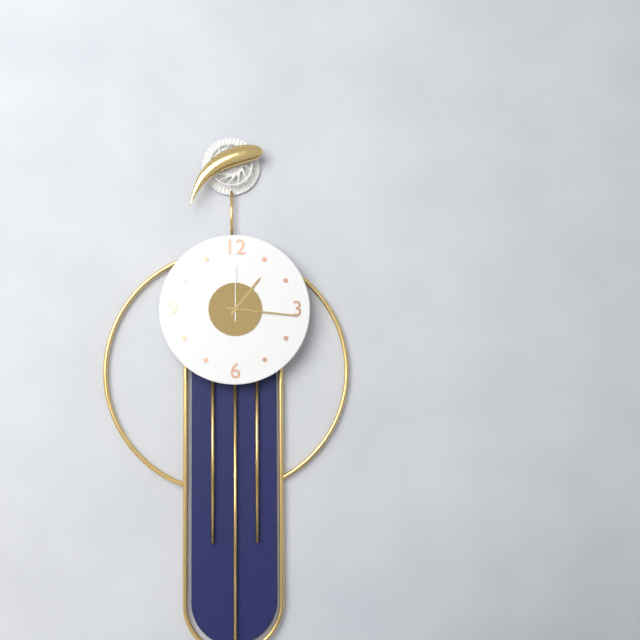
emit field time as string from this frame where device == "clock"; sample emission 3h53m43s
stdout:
1h16m00s
